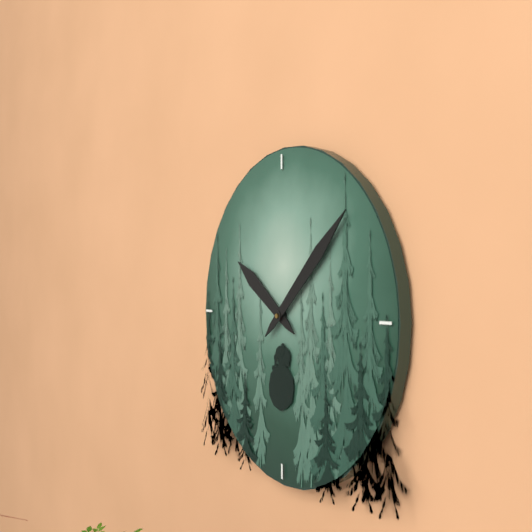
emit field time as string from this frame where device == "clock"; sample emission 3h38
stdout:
10h08
